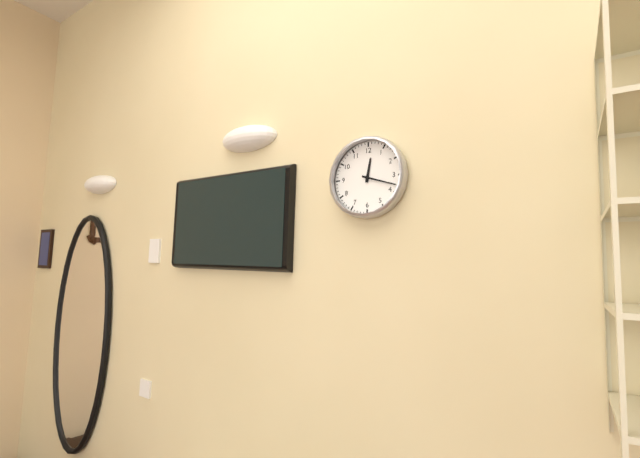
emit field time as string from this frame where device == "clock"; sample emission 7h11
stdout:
12h18
